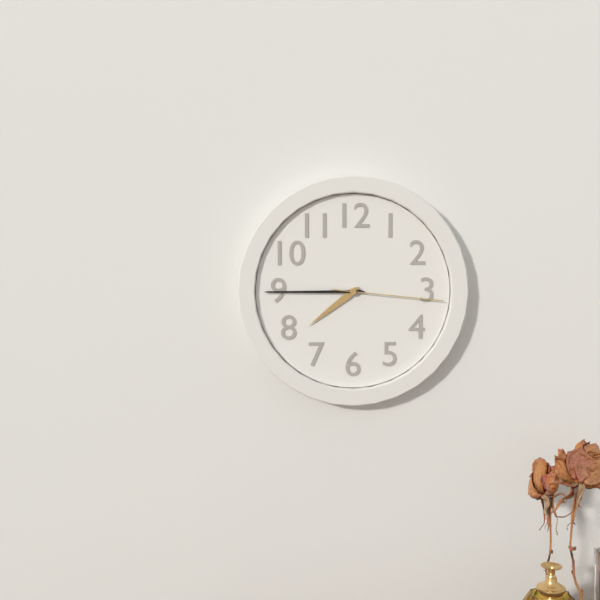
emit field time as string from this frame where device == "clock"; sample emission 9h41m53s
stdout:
7h45m16s
